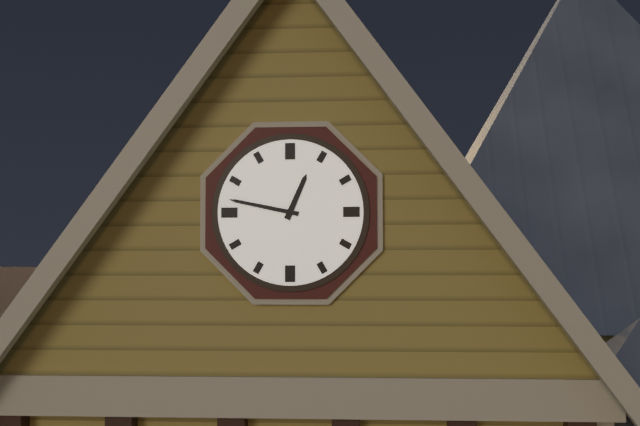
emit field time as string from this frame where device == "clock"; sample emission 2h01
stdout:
12h47
